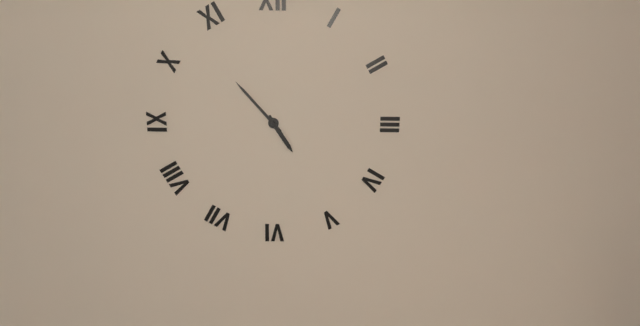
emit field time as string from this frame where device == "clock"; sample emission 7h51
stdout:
4h53
